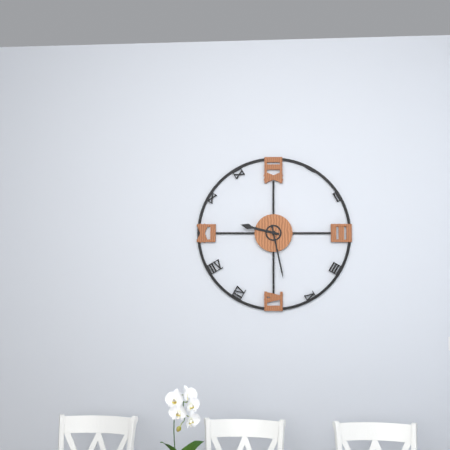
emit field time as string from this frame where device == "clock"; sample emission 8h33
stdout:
9h28
